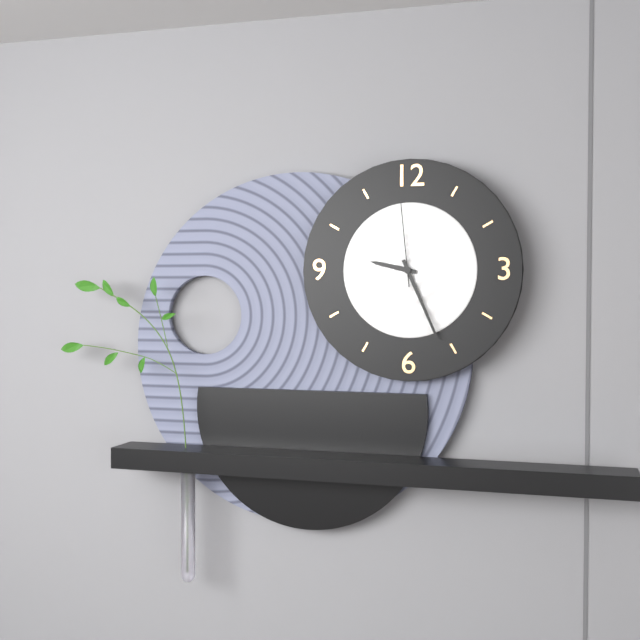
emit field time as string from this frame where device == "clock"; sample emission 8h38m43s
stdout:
9h26m59s
